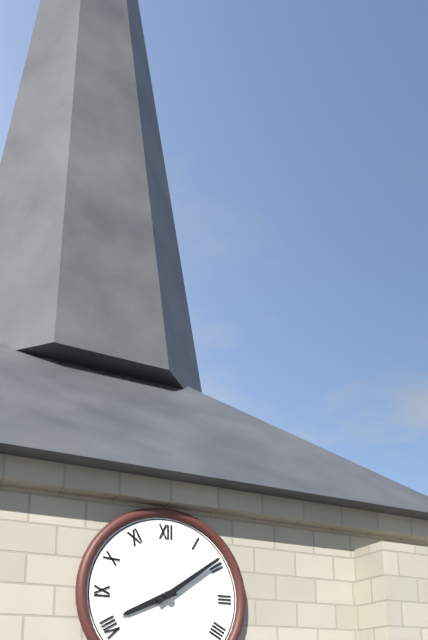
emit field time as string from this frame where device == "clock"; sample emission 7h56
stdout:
8h09
